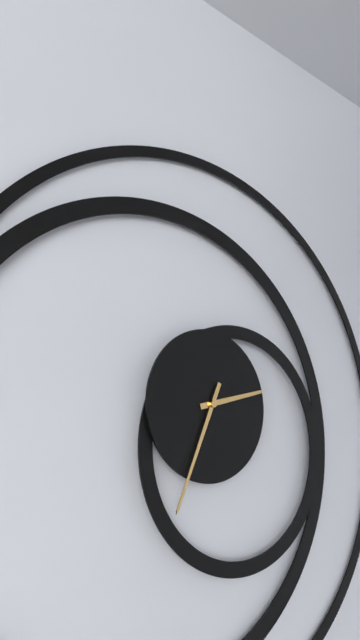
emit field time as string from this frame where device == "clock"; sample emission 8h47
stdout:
2h34
